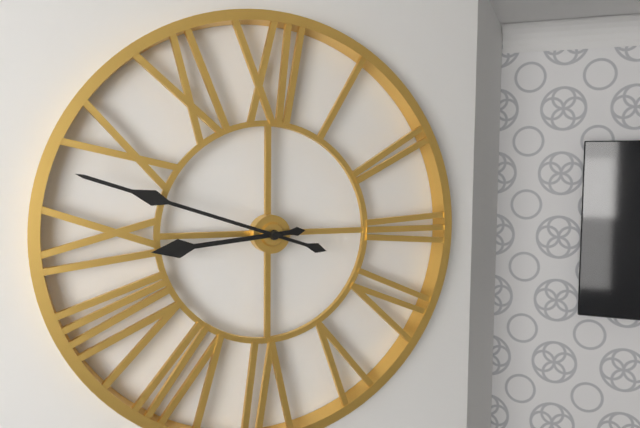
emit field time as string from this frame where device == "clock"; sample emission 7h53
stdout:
8h48
